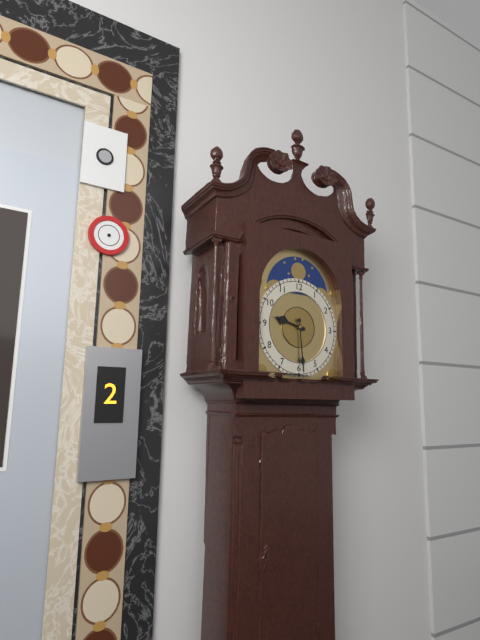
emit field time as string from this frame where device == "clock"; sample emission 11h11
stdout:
9h29
